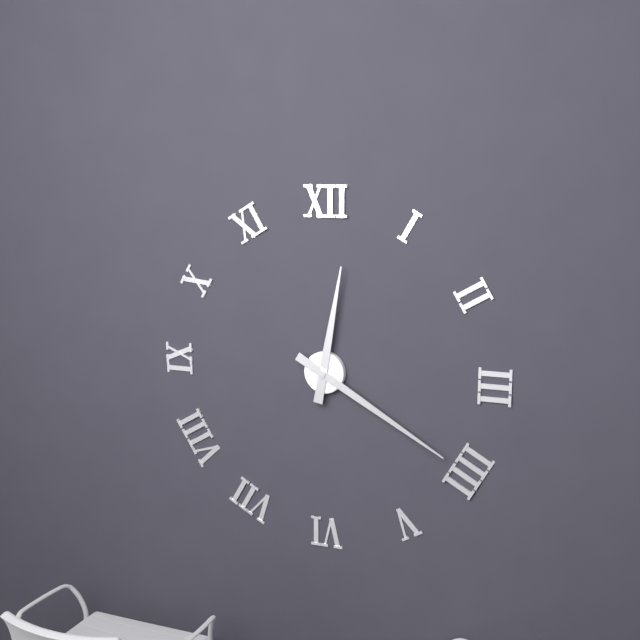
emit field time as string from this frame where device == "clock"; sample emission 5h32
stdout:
12h20
